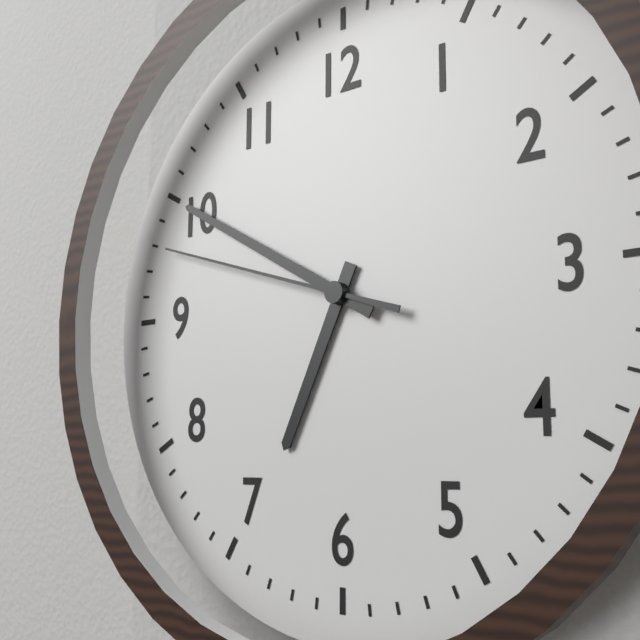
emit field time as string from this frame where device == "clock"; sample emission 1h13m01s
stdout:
6h50m48s
